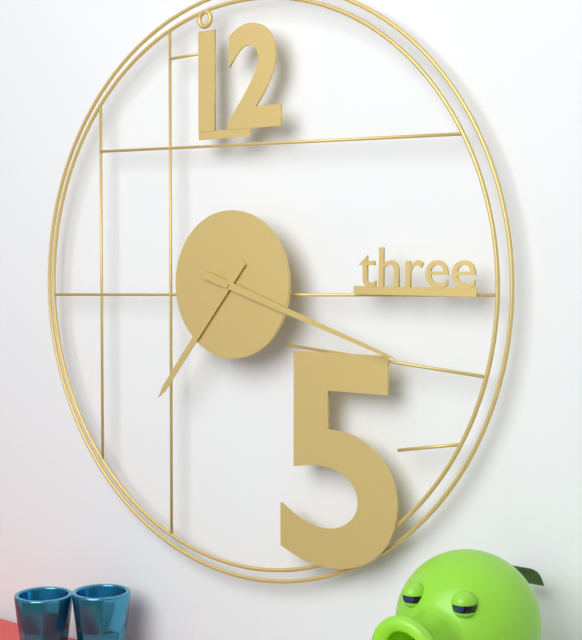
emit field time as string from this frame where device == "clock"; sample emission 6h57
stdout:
7h18
